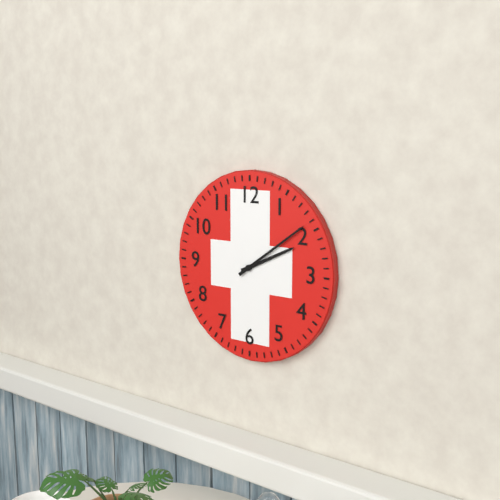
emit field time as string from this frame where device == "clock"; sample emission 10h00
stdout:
2h09
